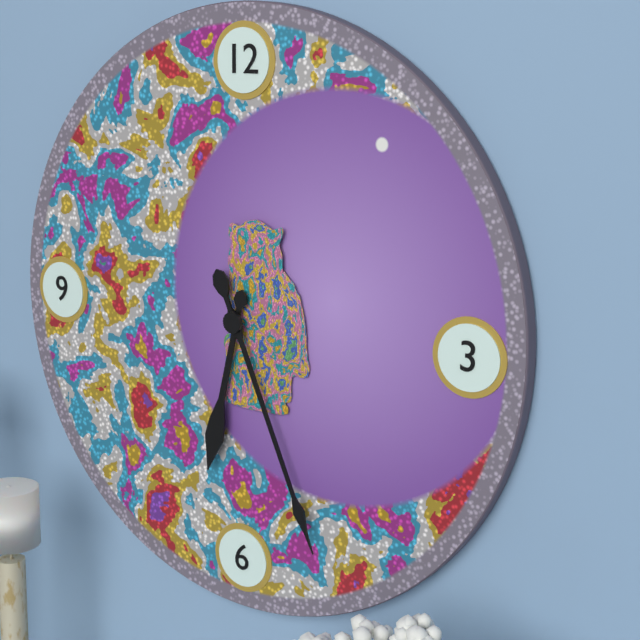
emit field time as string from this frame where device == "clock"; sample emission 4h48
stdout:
6h26
